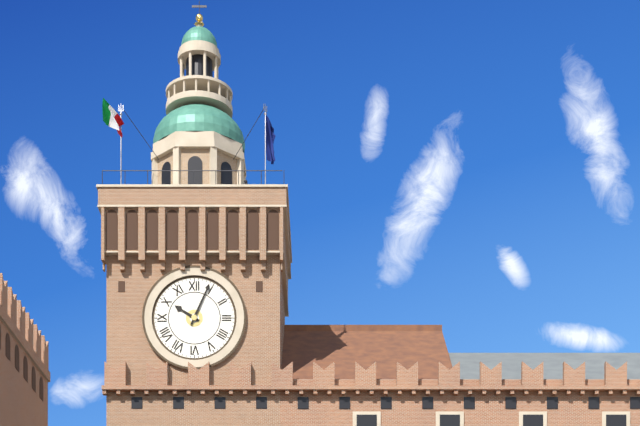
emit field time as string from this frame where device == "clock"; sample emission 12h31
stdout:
10h04
